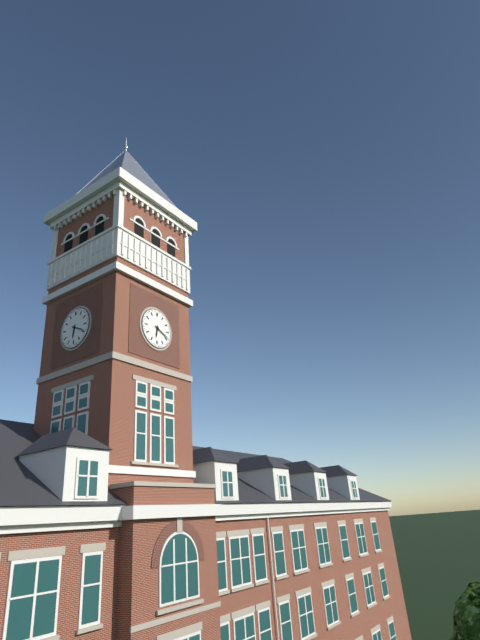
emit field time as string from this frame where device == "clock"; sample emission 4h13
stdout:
6h19
